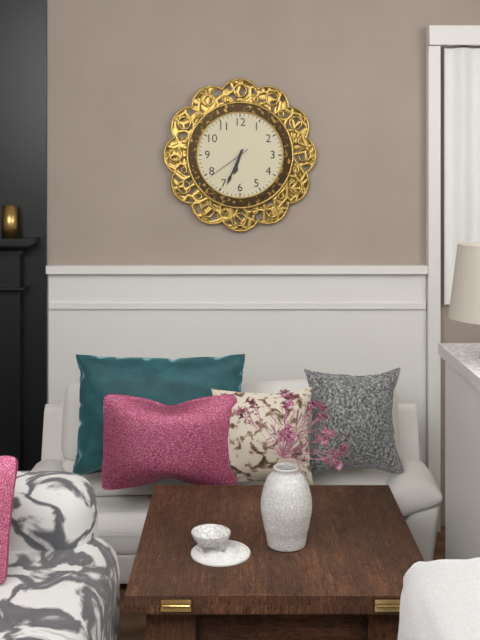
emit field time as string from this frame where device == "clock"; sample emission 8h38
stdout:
6h34
